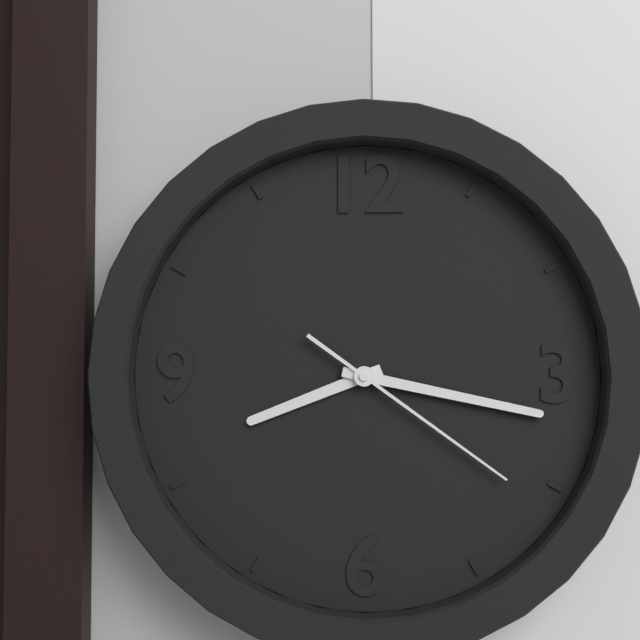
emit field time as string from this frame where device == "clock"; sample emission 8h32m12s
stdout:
8h17m21s
